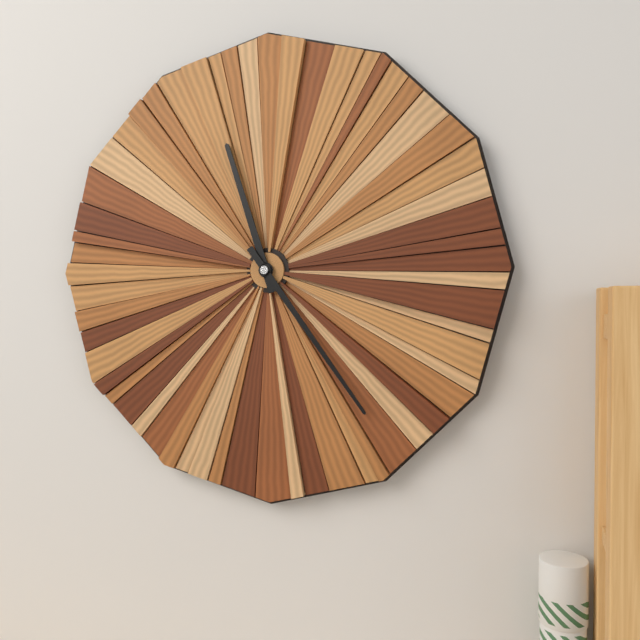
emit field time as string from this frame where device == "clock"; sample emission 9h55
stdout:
11h24
